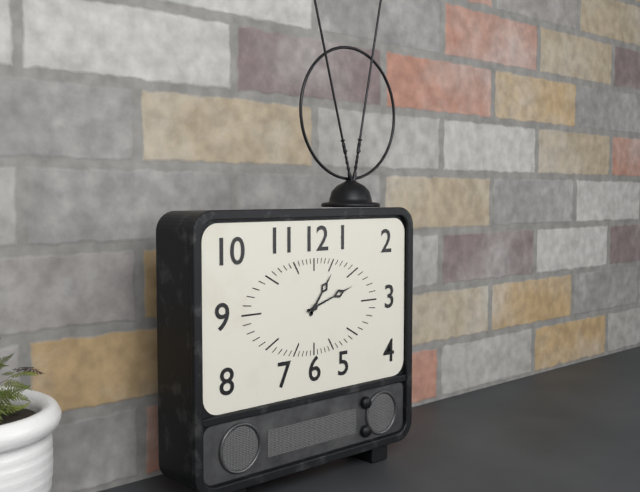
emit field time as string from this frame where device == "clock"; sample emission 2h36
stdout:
1h12
